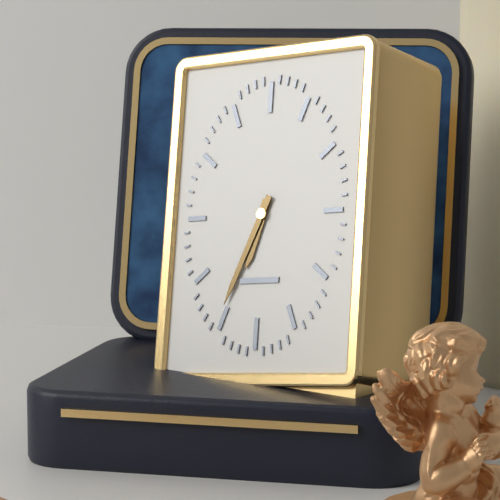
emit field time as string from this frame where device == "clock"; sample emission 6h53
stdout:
6h34
